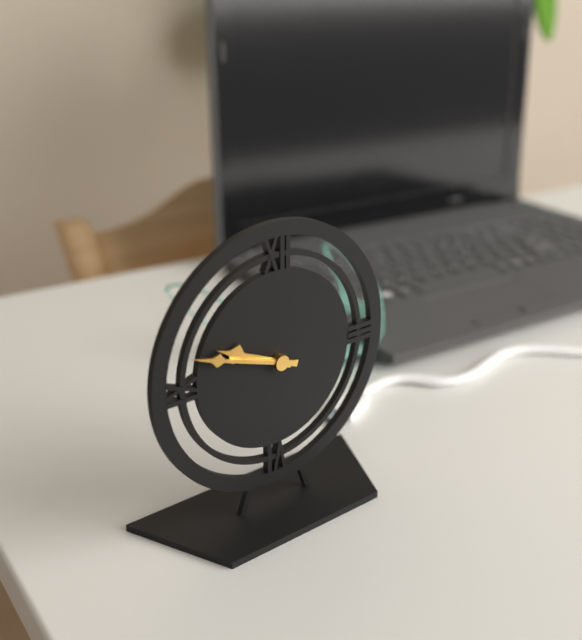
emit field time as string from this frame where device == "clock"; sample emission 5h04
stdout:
9h48
